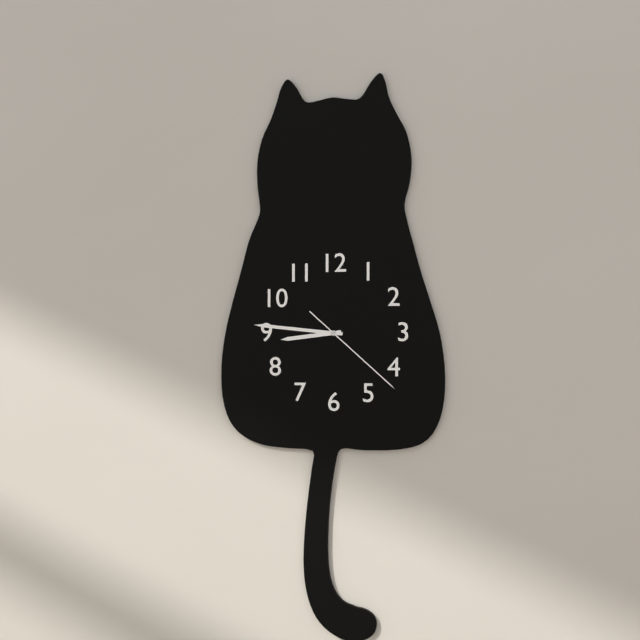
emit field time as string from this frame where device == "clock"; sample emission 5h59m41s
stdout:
8h46m22s
